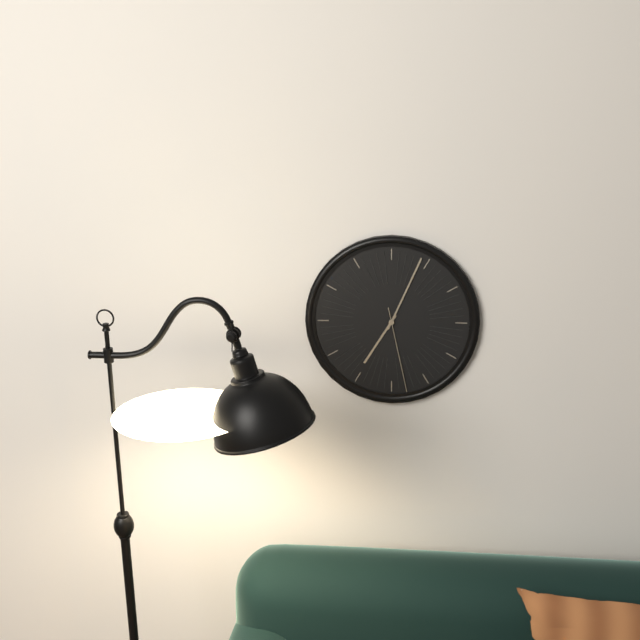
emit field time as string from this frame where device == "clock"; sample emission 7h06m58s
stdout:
7h04m28s
